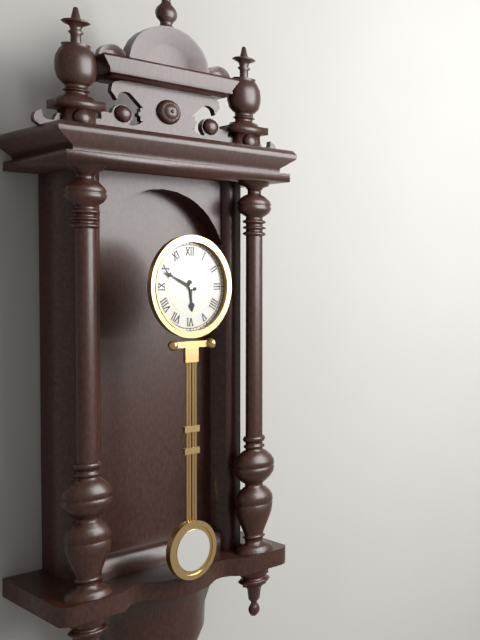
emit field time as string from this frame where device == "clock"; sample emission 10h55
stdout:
5h49
